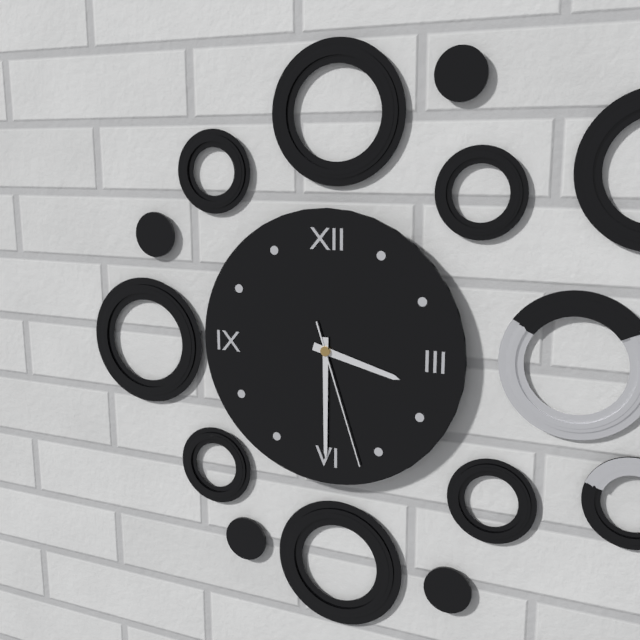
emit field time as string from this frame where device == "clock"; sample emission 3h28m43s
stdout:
3h30m27s
